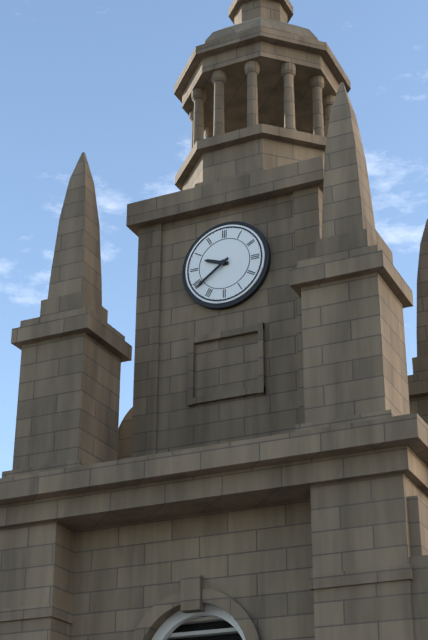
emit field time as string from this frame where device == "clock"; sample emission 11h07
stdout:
9h39
